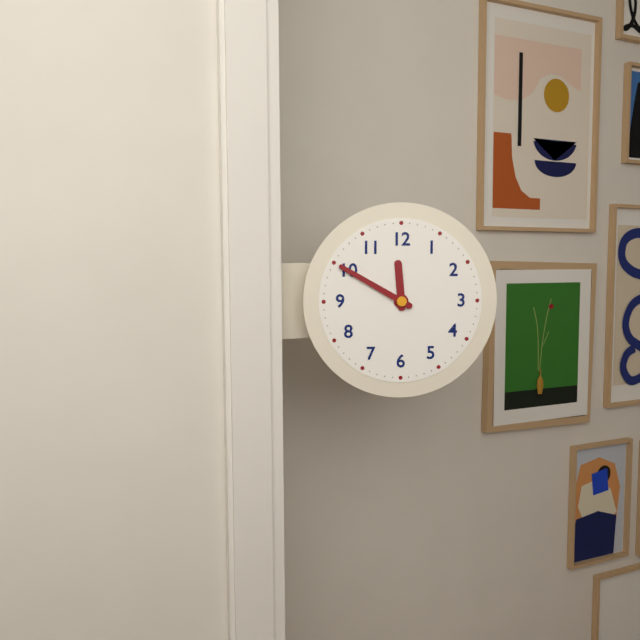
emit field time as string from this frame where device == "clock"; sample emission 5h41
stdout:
11h50
